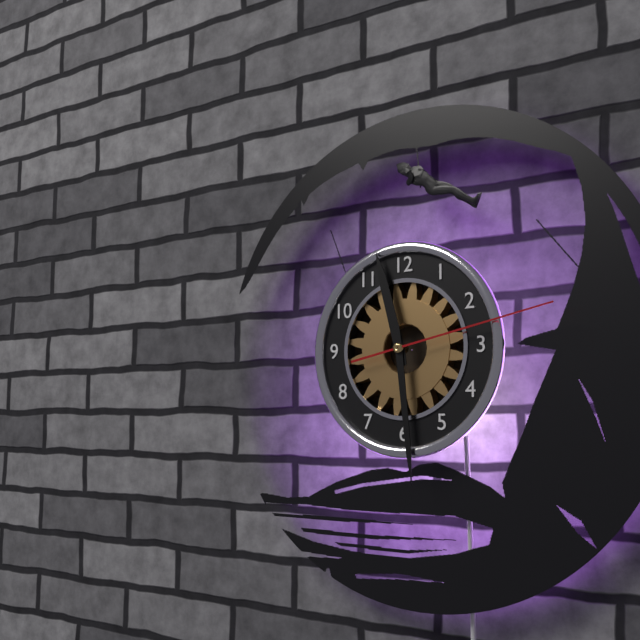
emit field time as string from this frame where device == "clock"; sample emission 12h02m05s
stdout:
11h29m13s
